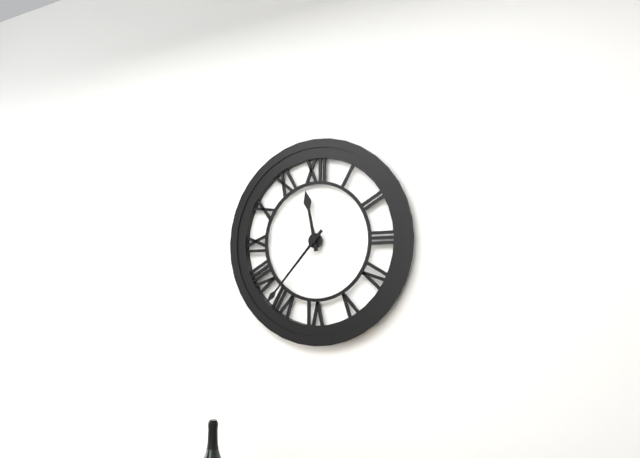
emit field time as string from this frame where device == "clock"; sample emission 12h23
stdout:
11h37
